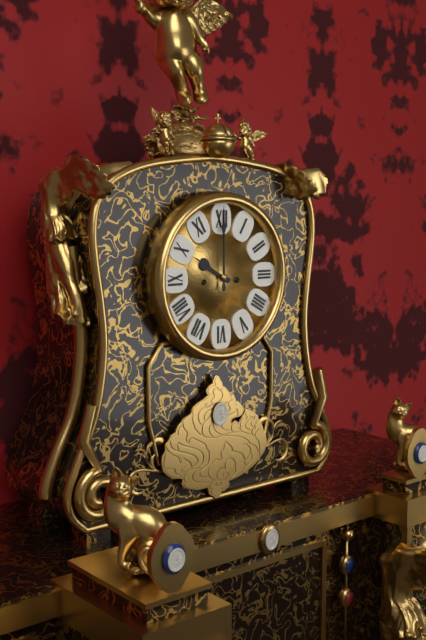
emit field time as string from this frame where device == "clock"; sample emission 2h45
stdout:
10h00
